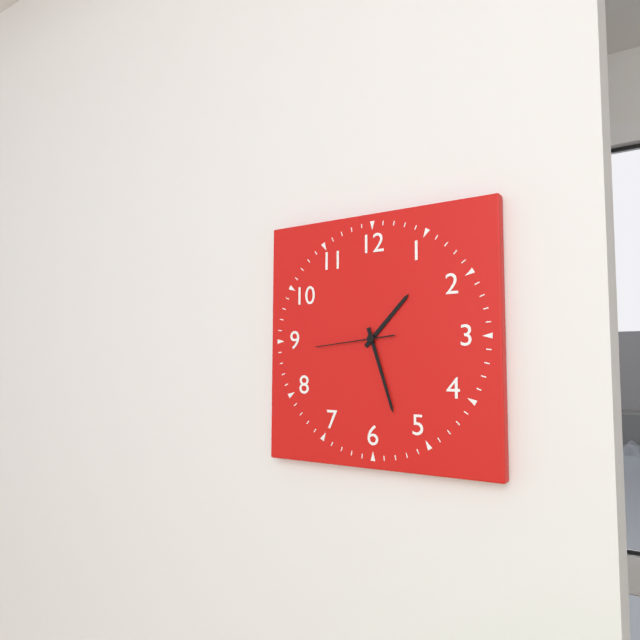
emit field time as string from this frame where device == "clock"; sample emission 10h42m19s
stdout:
1h27m44s
